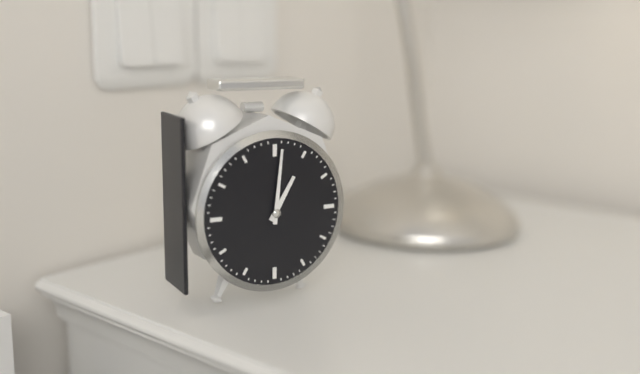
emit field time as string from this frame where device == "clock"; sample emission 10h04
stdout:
1h01
